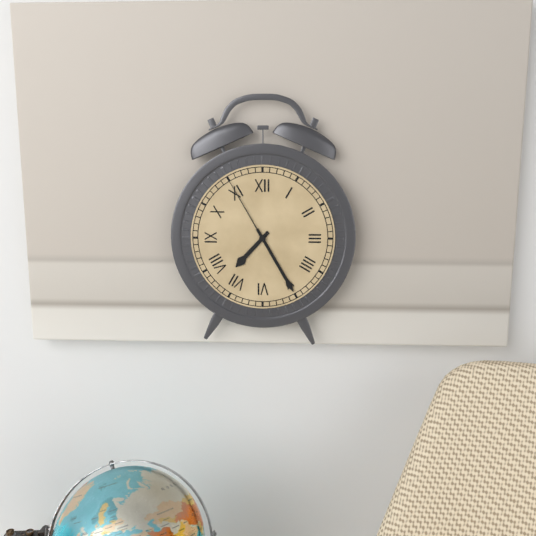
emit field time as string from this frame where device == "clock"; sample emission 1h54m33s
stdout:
7h25m55s
